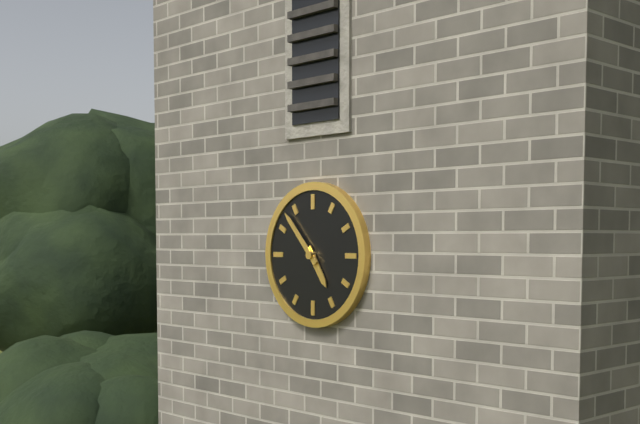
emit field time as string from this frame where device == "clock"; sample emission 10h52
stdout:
4h53
